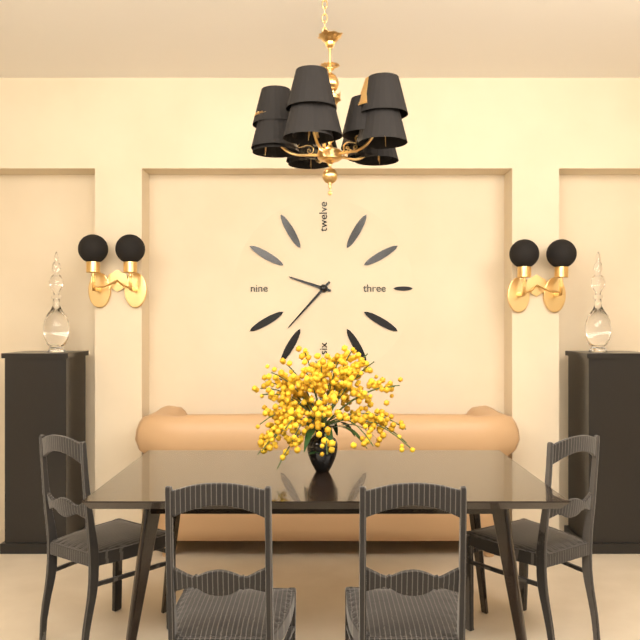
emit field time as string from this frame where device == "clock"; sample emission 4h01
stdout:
9h37
